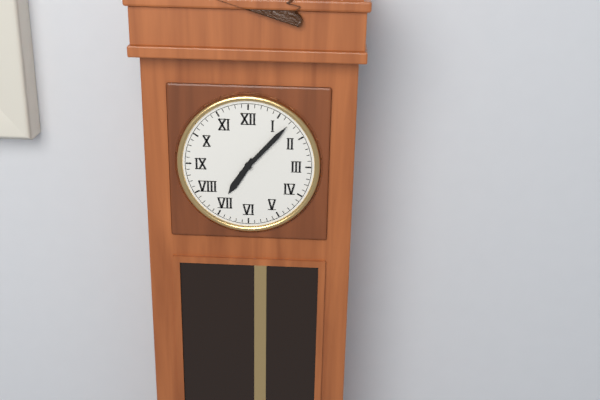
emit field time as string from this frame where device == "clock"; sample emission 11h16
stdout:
7h07
